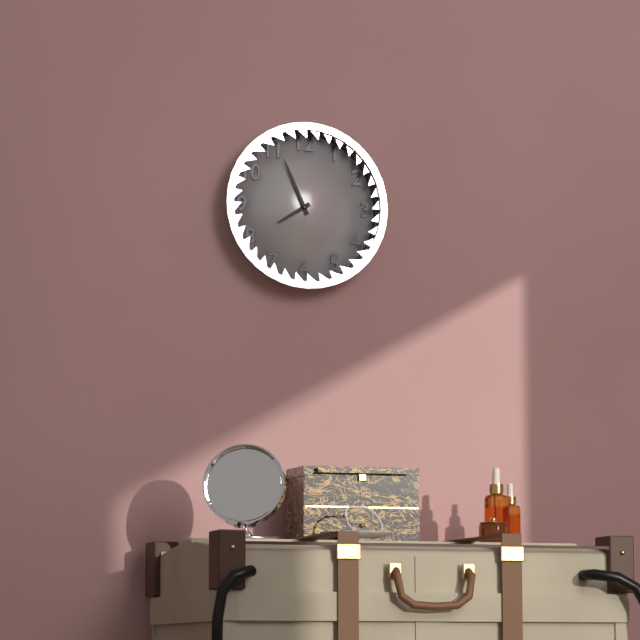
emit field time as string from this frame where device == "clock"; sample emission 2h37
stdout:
7h56
